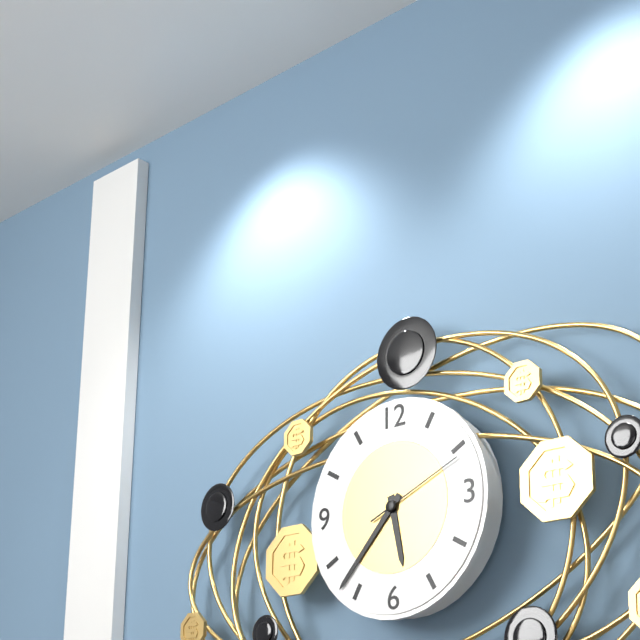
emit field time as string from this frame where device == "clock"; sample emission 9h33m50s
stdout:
5h37m11s
